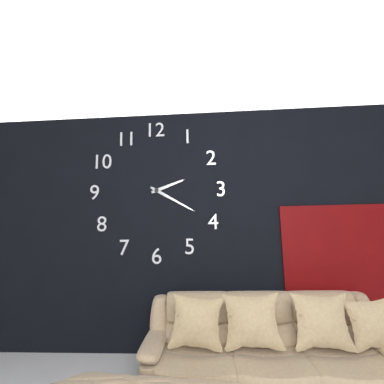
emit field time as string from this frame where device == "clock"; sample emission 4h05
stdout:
2h20
